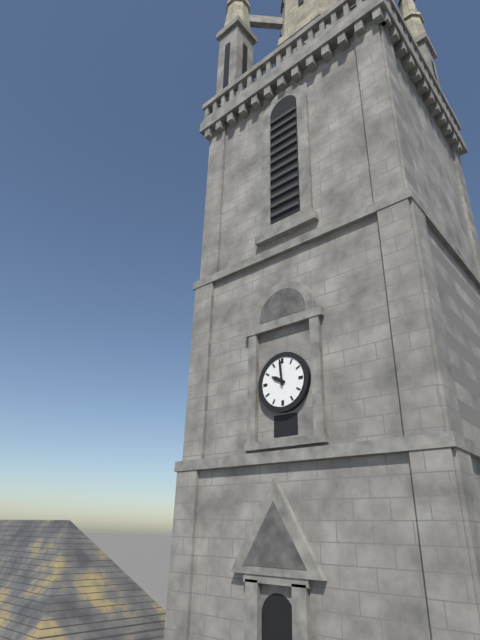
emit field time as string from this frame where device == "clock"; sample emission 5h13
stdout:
9h59
